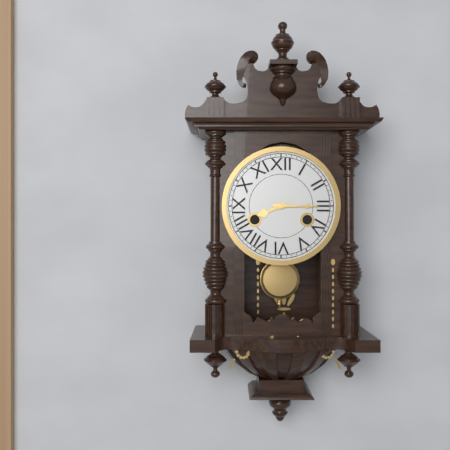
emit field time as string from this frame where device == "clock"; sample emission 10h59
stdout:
8h15
